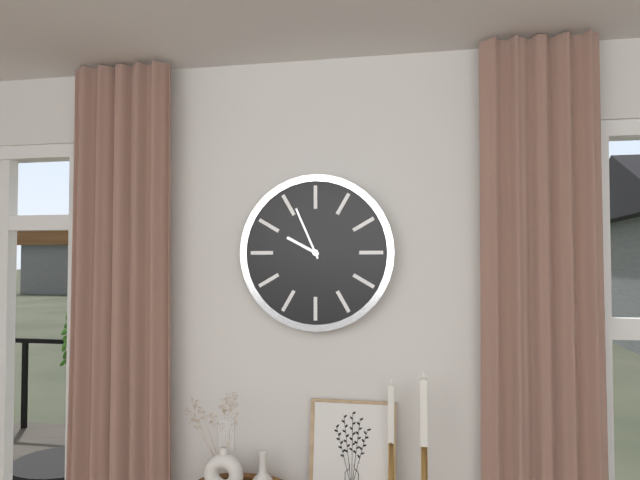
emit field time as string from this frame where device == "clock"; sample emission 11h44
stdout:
9h56
